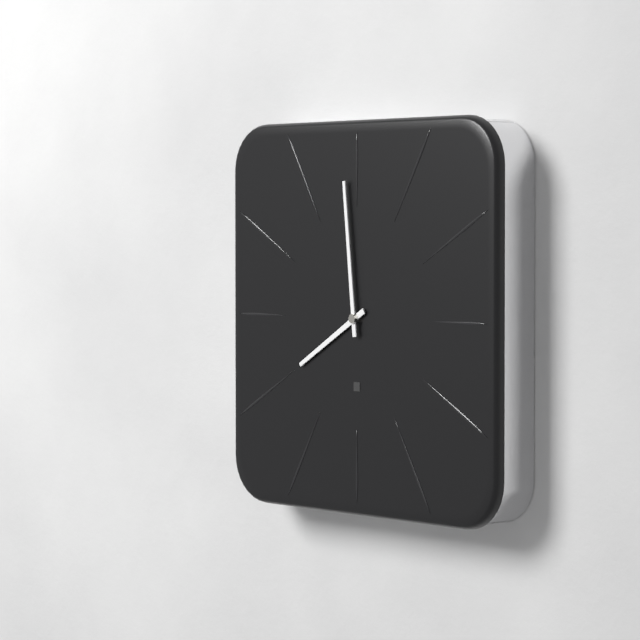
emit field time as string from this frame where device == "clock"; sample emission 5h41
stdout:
7h59
